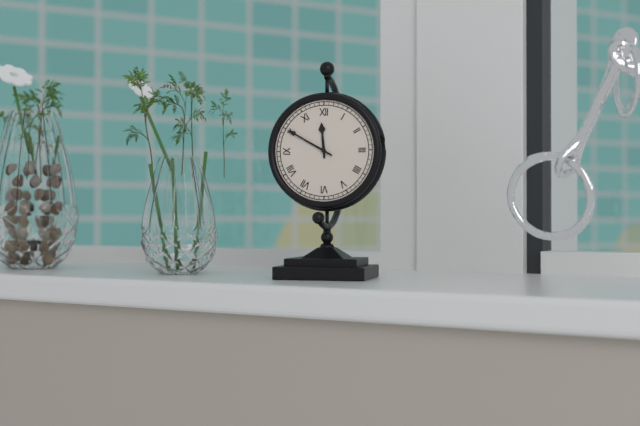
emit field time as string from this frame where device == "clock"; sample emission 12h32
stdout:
11h50
